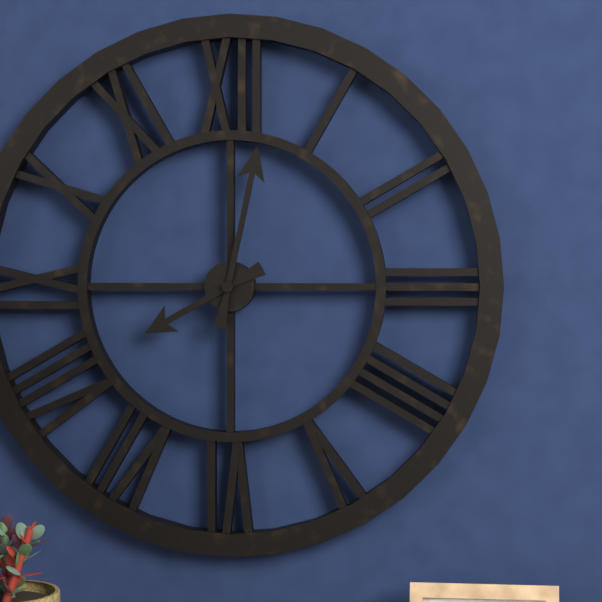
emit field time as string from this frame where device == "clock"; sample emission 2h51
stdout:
8h02
